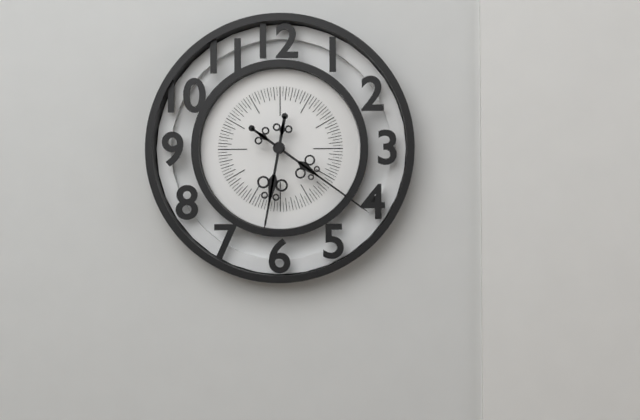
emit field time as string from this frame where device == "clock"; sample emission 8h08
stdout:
6h21
